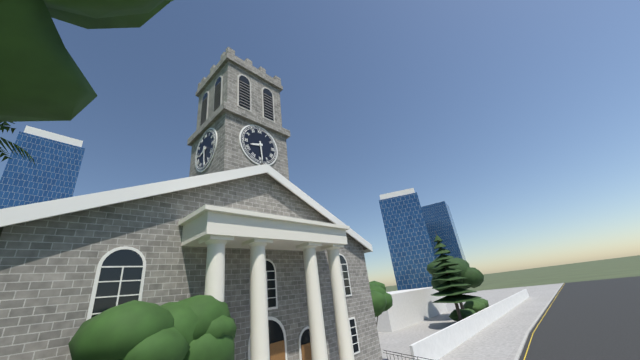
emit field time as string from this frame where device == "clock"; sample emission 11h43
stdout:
8h29
